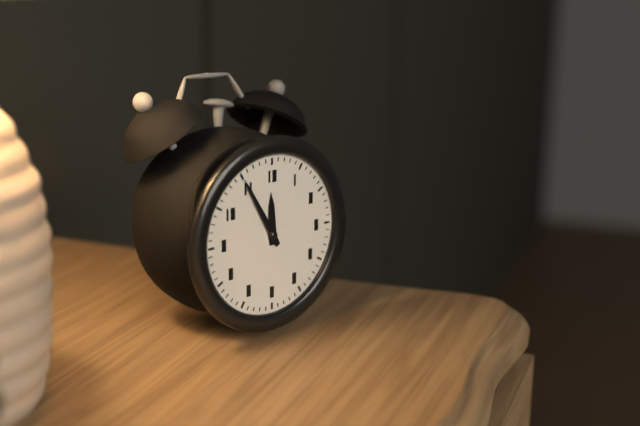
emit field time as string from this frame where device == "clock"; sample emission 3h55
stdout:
11h55
